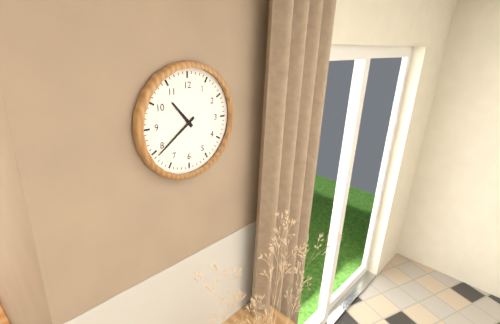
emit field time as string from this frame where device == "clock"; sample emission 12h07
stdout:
10h39
